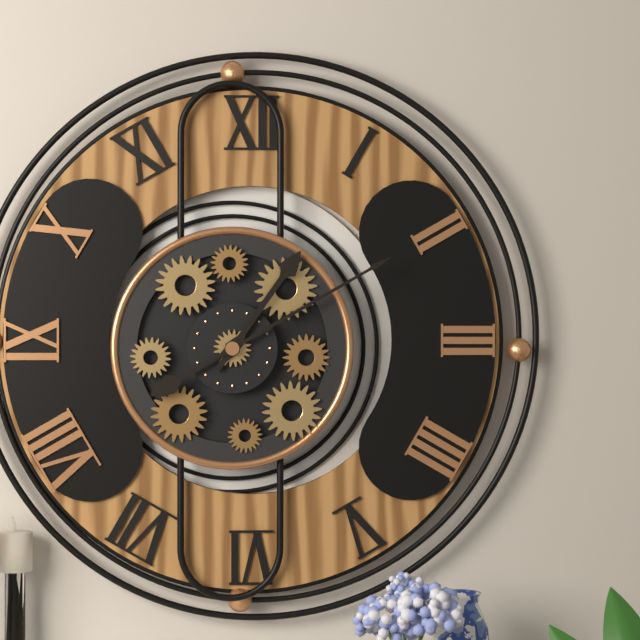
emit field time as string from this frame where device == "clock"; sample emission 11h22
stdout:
1h10
